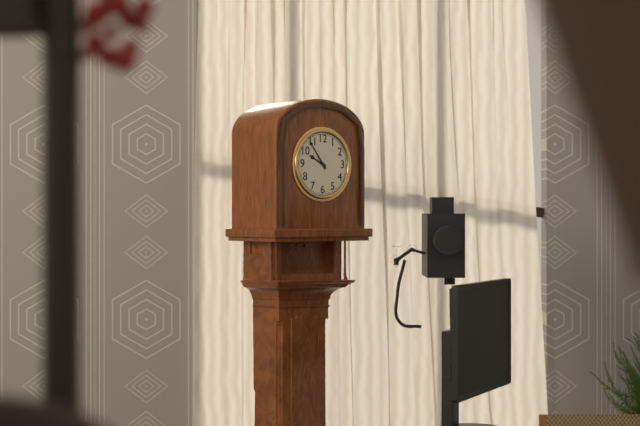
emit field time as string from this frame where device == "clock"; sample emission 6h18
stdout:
9h54
